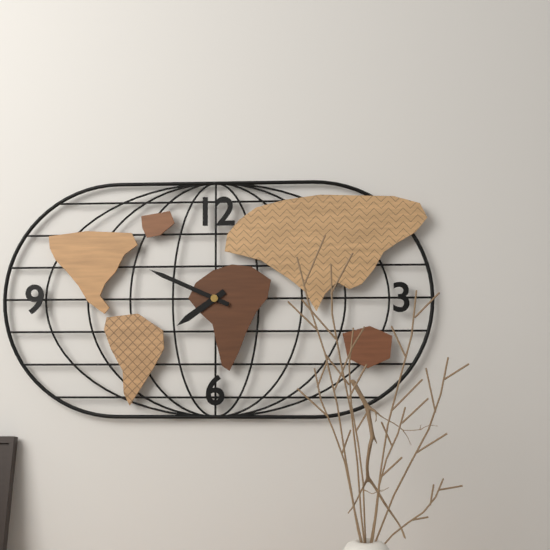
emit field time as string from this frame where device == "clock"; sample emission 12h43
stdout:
7h49
